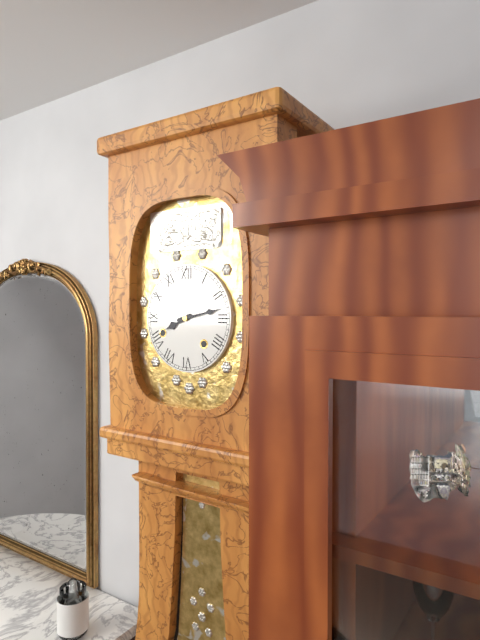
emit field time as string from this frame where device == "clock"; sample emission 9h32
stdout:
8h13
